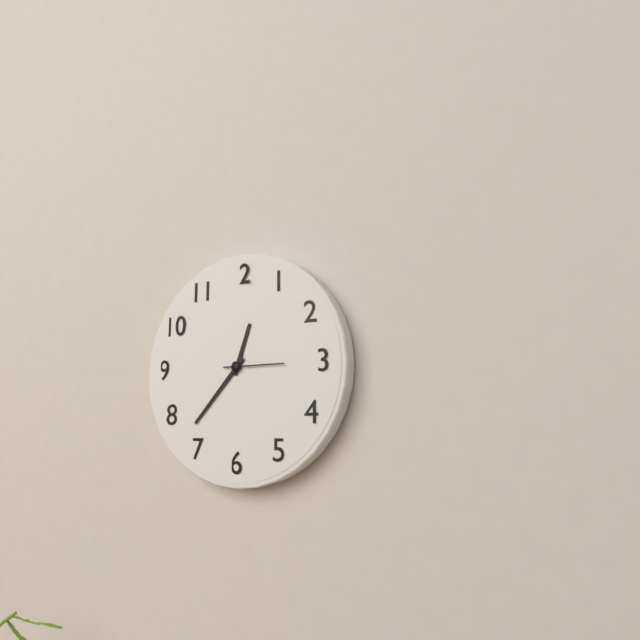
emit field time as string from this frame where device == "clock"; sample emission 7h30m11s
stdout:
12h37m15s
